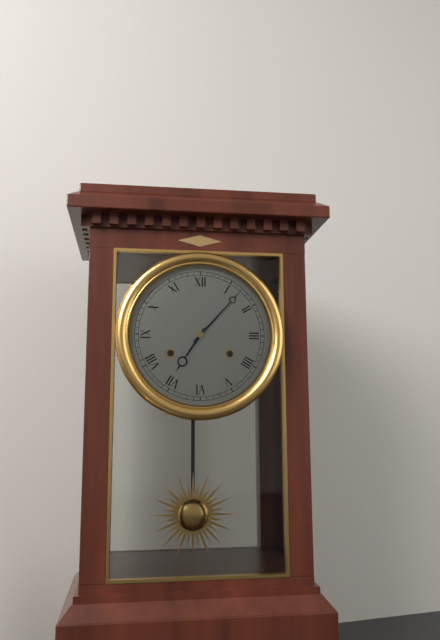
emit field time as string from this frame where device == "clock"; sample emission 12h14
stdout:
7h07
